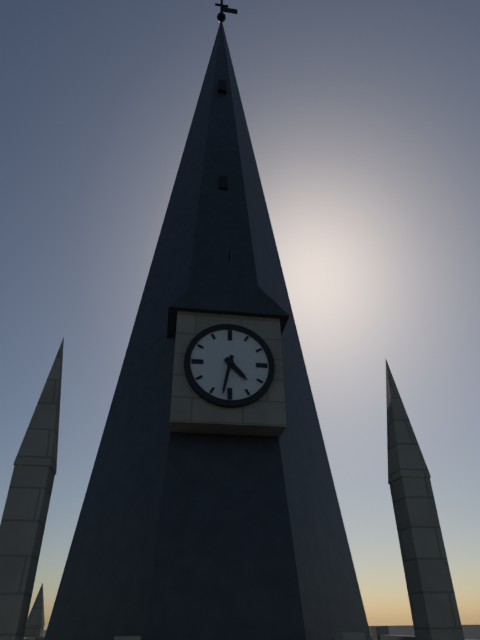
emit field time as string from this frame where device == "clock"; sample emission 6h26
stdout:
4h32
